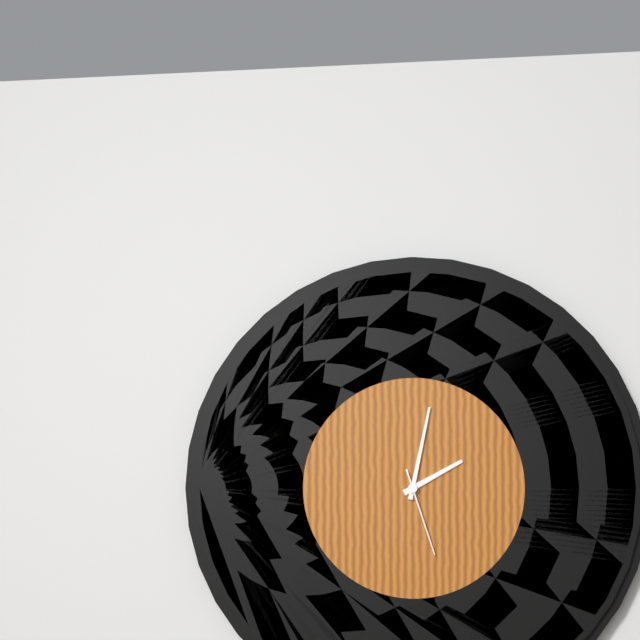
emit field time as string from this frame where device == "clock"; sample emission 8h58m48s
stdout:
2h02m27s
